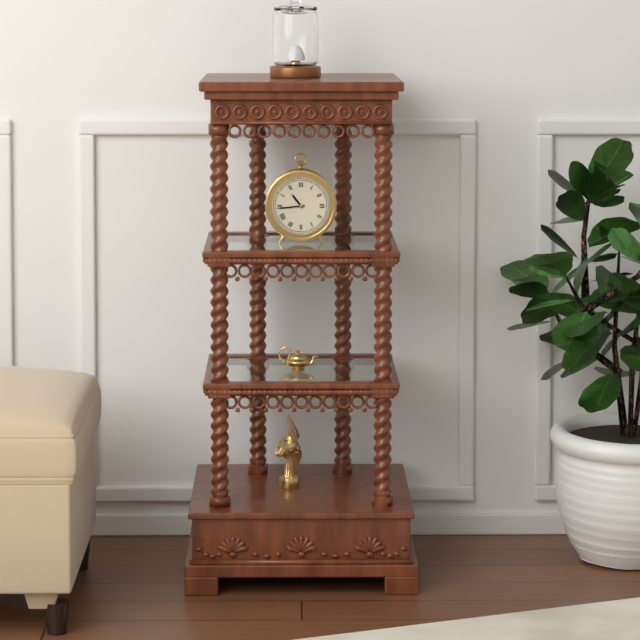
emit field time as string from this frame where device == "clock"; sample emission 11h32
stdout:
10h44
